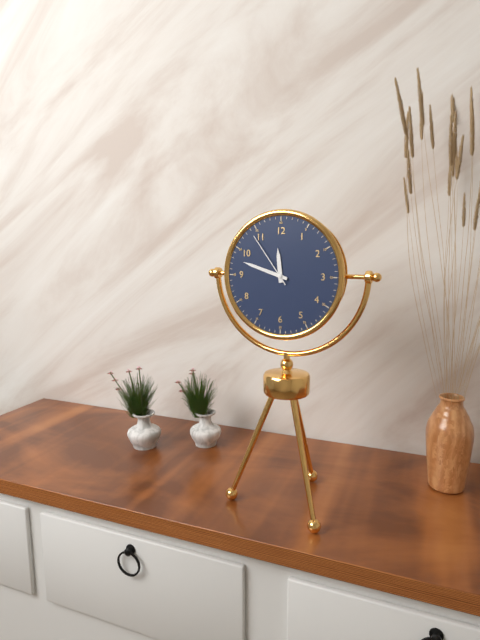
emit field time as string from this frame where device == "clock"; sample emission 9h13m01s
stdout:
11h48m54s
